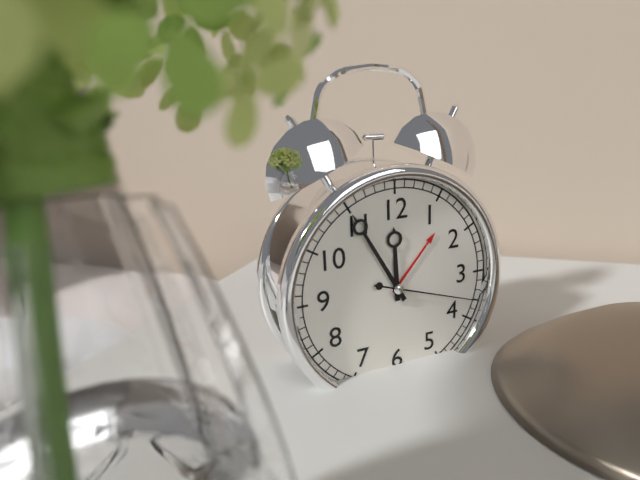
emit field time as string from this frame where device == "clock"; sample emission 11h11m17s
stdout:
11h55m18s
